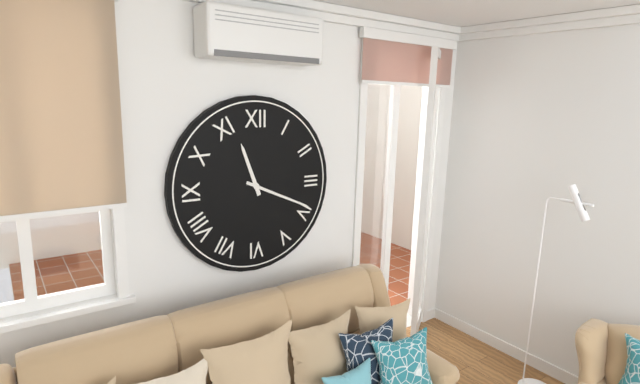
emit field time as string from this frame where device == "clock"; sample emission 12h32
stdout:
11h19
